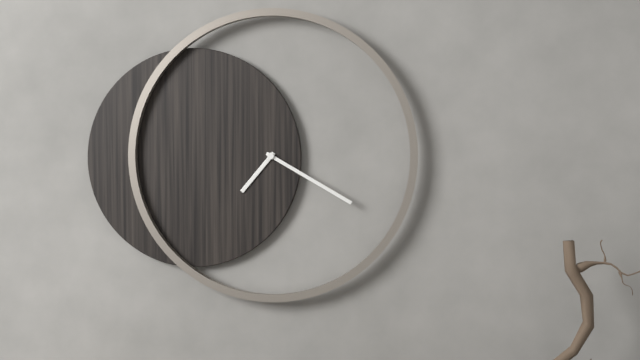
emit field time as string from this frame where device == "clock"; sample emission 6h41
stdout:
7h20
